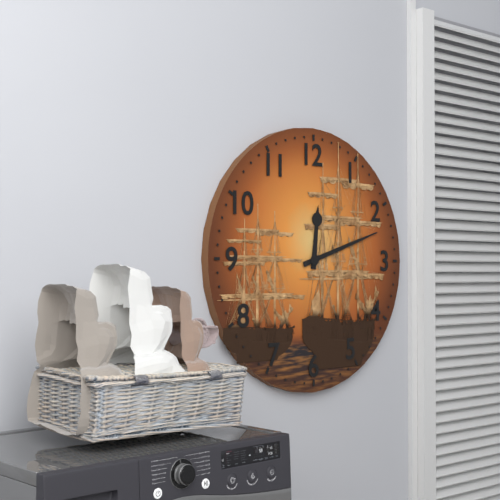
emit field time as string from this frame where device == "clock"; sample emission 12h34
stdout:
12h12
